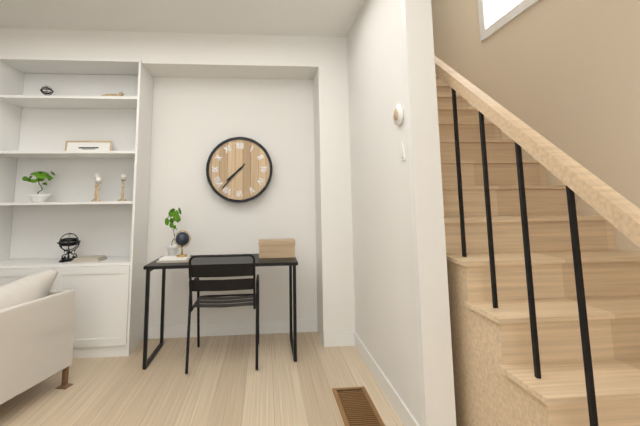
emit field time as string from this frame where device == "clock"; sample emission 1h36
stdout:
7h37
